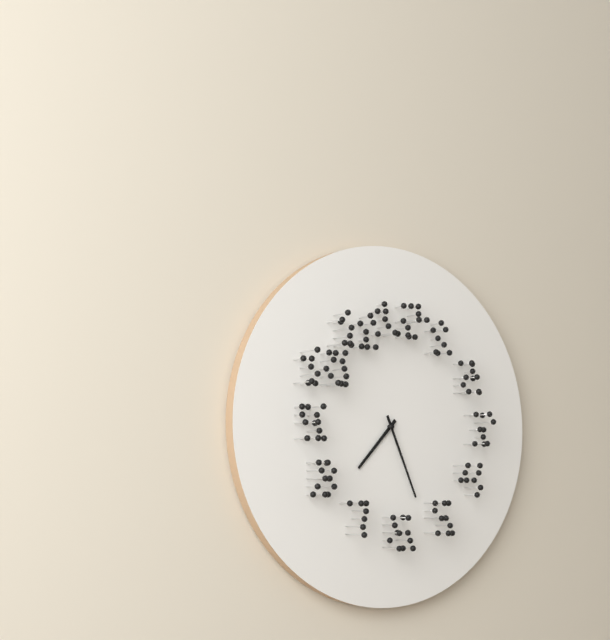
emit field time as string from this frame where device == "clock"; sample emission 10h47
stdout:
7h26
